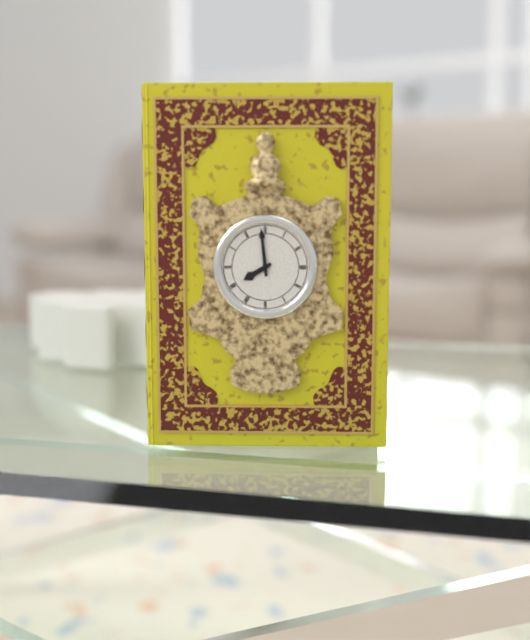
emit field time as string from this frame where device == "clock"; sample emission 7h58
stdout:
7h59
